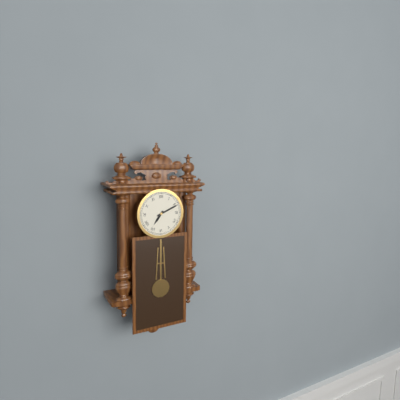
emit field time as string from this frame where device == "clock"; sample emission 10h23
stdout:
7h11
